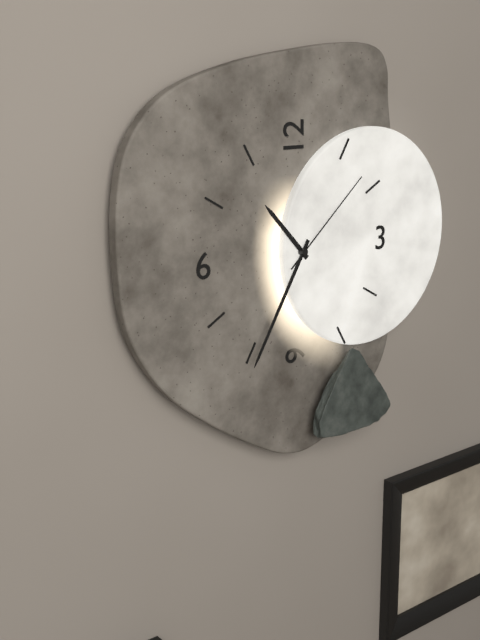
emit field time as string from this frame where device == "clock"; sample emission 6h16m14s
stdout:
10h35m08s
